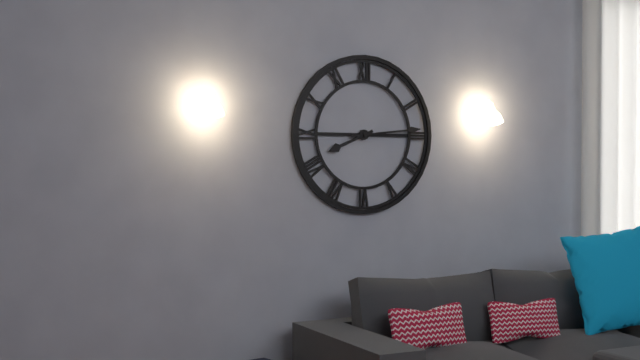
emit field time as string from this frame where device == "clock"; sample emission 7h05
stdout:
8h14
